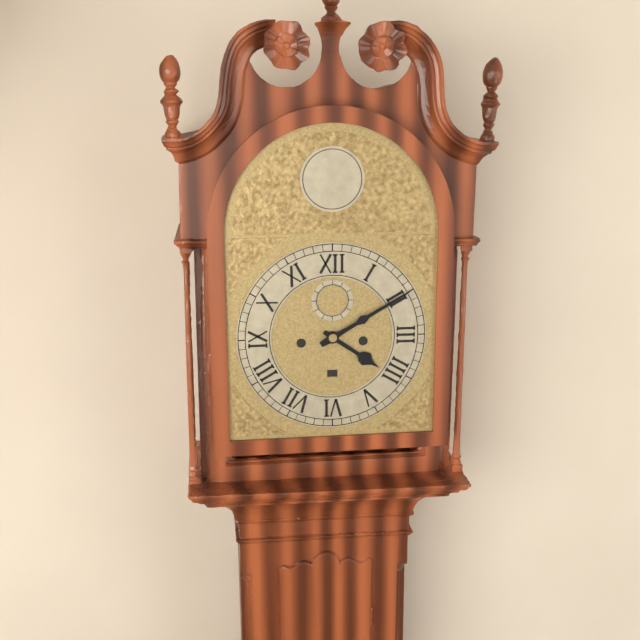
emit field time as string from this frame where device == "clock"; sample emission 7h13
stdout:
4h10
